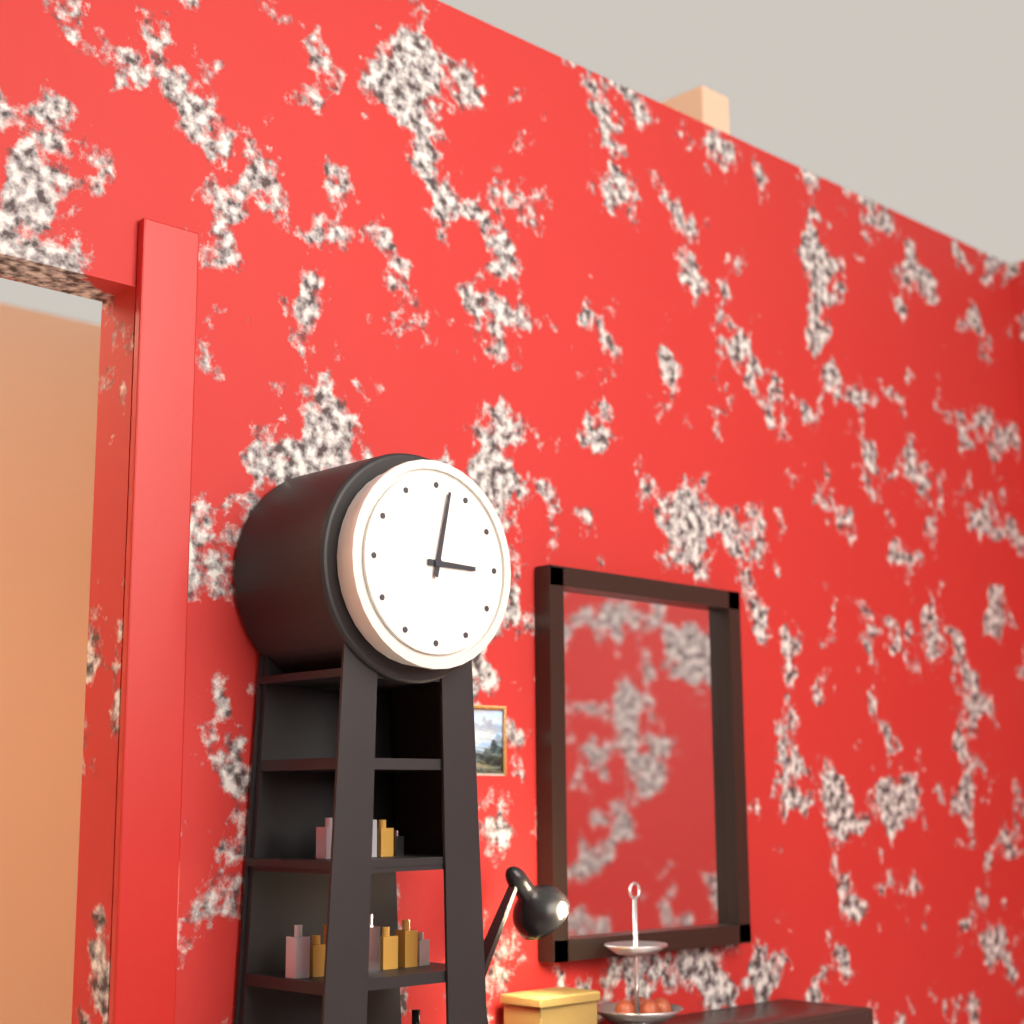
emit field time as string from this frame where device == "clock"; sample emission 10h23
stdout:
3h02
